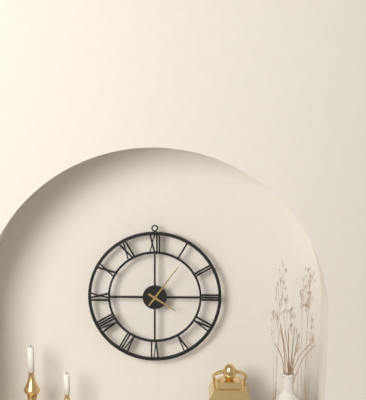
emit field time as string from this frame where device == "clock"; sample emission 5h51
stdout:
4h06
